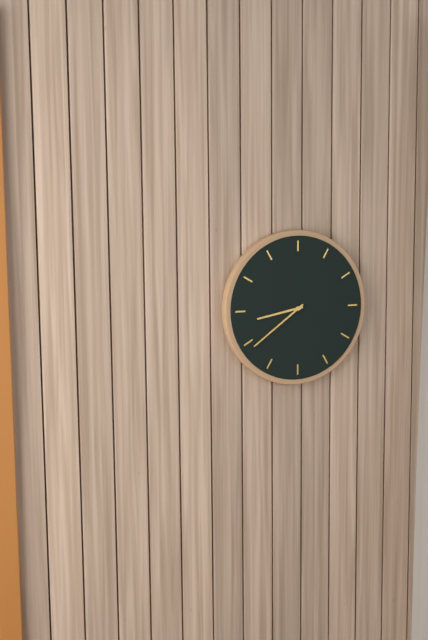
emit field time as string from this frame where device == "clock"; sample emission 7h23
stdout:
8h39
